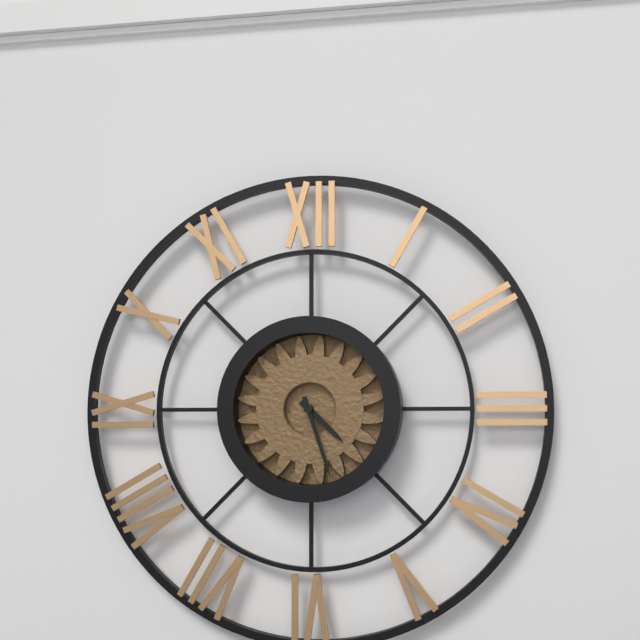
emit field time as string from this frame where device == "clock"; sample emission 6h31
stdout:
4h27
